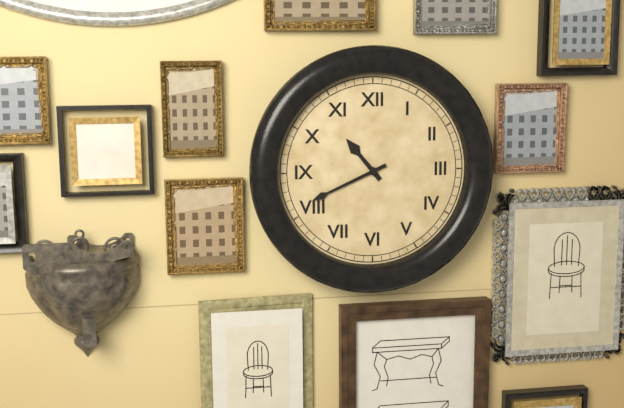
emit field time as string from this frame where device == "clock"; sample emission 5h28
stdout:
10h41
